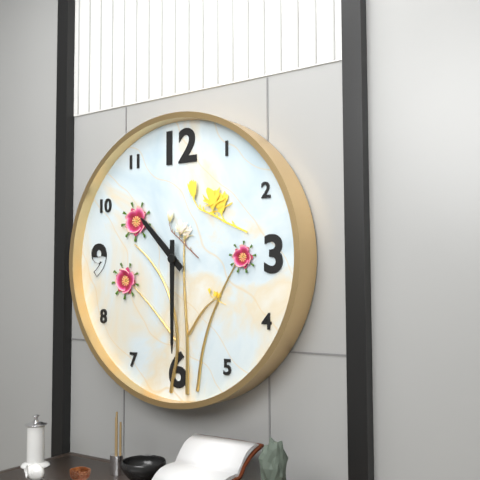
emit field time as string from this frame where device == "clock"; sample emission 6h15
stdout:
10h30
